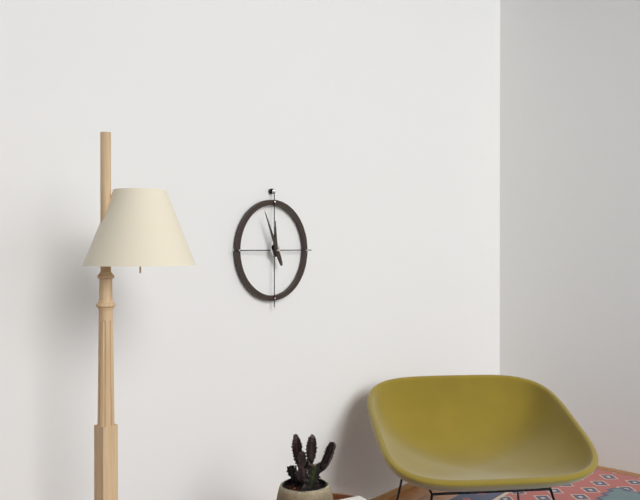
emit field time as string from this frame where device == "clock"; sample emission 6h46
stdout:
11h56
